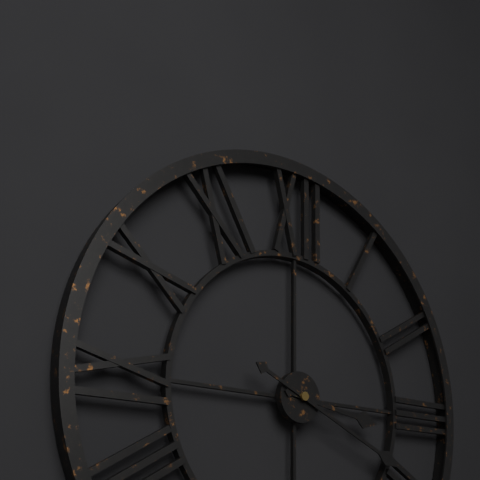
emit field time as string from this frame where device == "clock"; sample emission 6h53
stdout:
3h19
